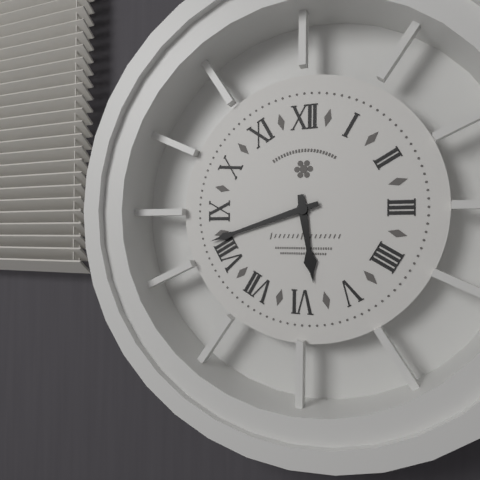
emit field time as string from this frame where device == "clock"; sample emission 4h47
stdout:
5h42
